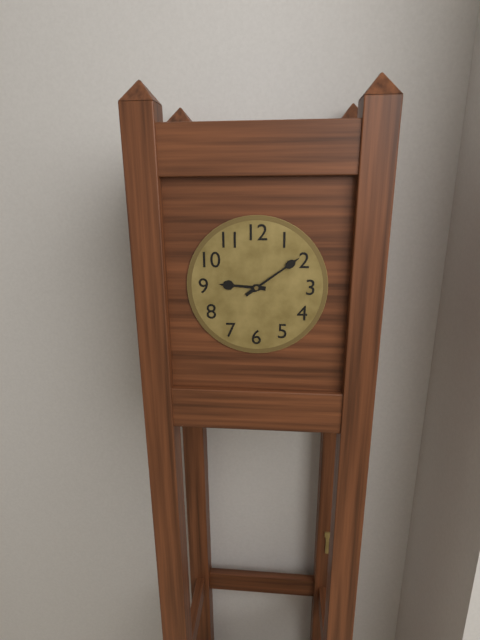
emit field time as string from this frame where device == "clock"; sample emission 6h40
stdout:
9h09
